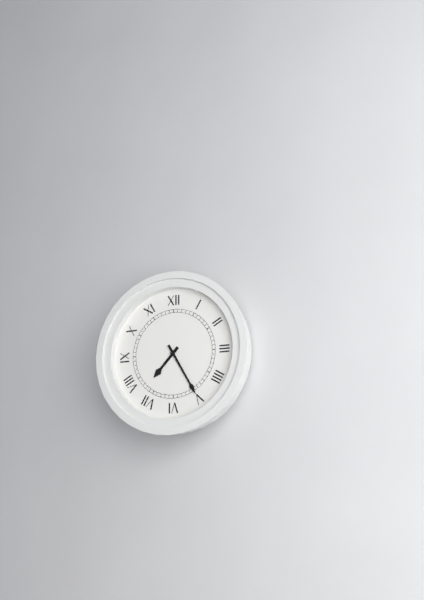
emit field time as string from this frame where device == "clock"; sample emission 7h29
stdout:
7h25
